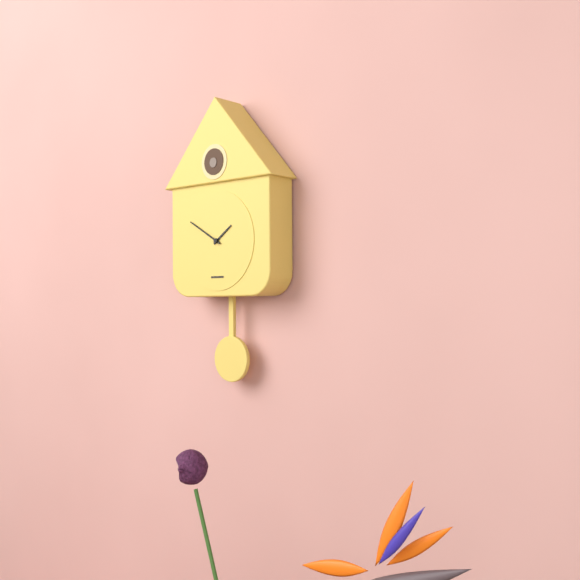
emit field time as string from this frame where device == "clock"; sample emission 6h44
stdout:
1h50
